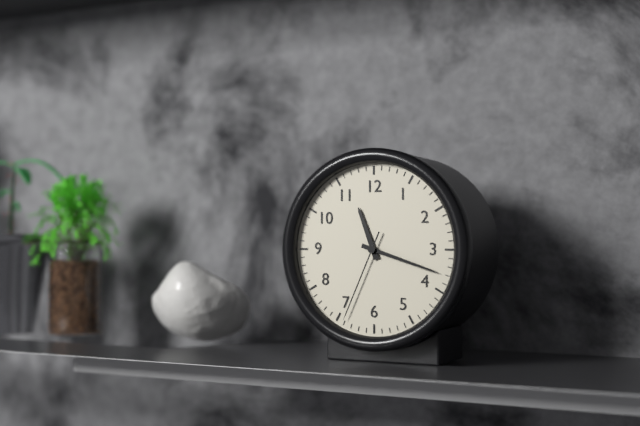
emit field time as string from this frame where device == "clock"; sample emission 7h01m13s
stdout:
11h18m34s
